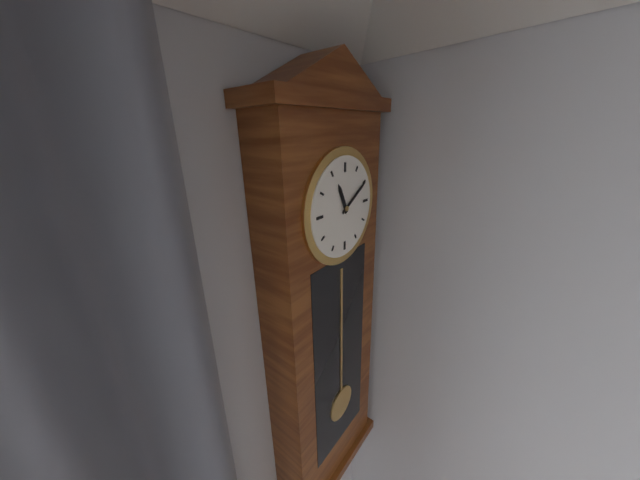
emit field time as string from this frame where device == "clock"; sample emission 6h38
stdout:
11h10
